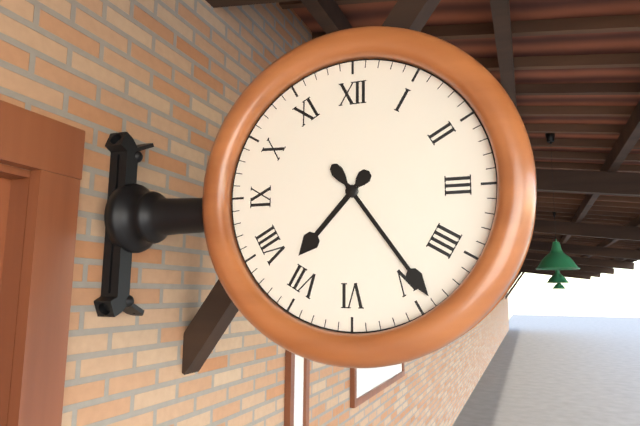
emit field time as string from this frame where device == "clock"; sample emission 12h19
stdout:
7h24
